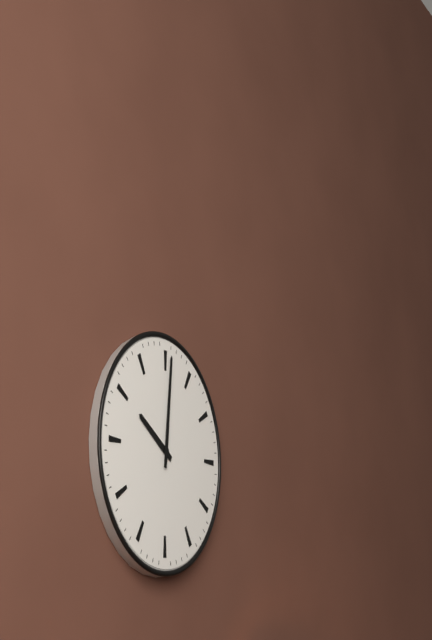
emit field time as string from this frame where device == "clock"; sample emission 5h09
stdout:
10h01
